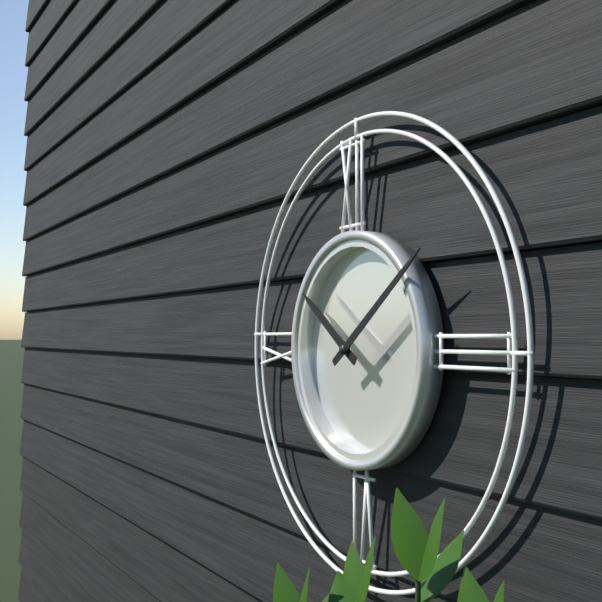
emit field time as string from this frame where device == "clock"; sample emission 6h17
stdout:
10h09
